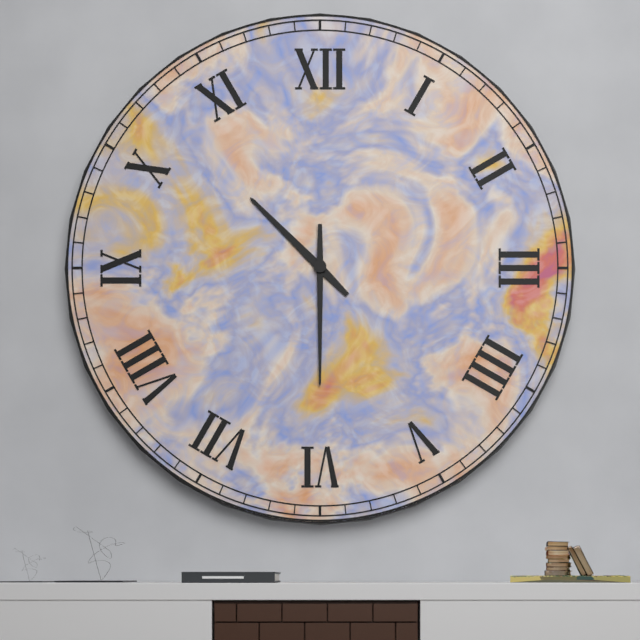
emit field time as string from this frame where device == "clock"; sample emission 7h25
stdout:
10h30
